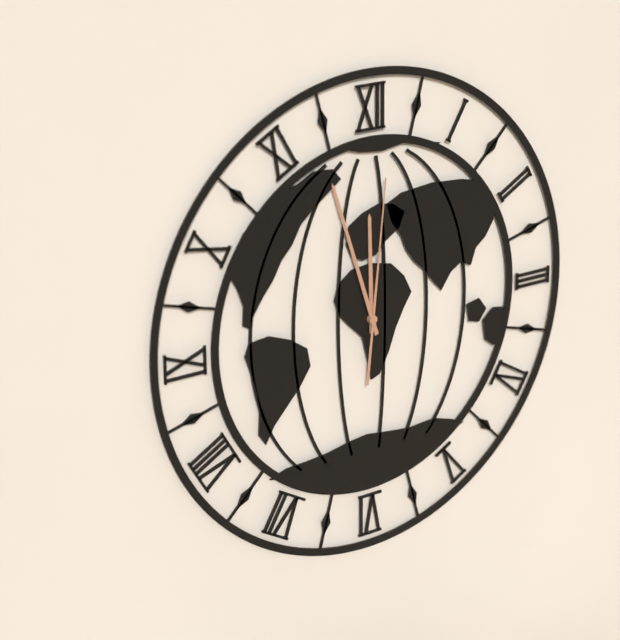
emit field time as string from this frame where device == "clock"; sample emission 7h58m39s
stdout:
11h57m01s
